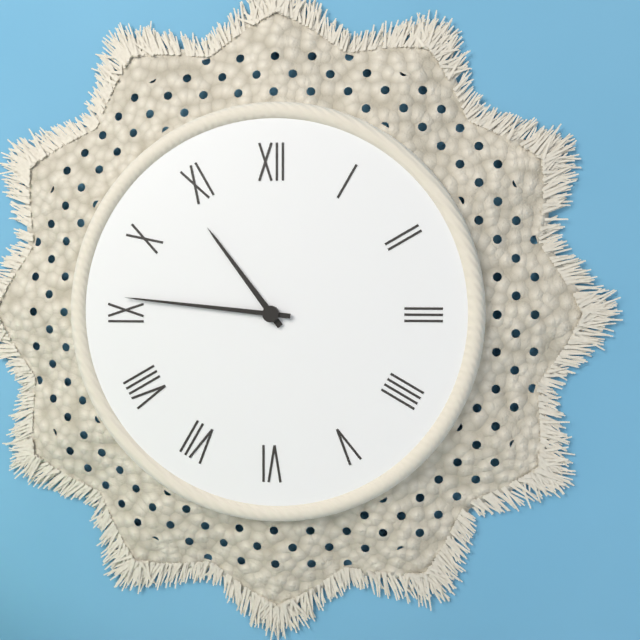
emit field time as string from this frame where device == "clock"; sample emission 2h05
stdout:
10h46
